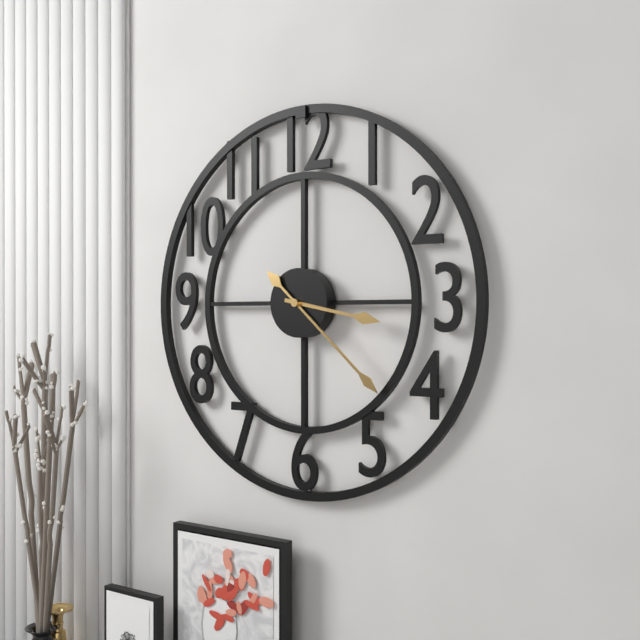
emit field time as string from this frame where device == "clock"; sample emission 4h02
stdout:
3h22
